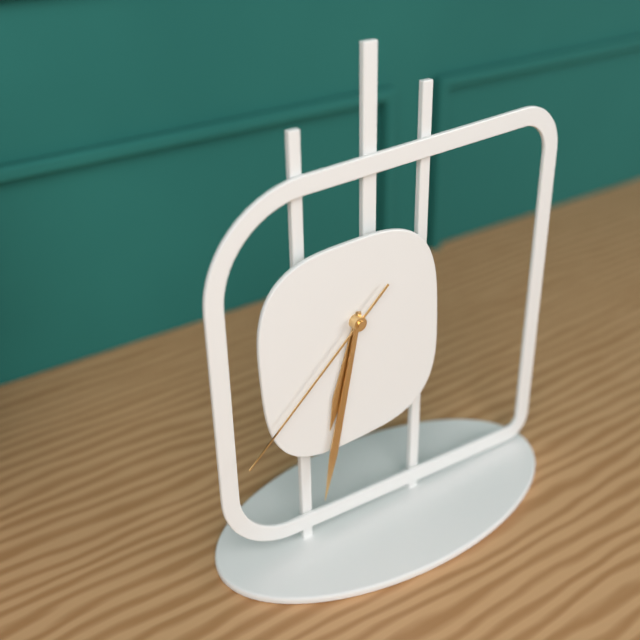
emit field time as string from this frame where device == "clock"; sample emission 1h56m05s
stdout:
6h32m38s
